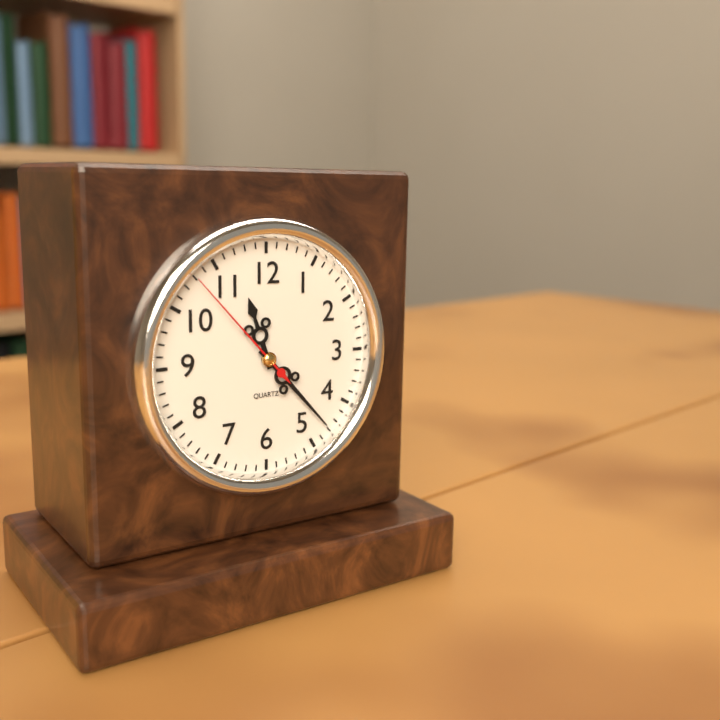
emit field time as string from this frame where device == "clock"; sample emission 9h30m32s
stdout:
11h23m53s
